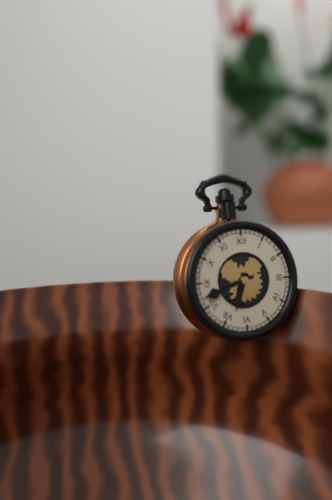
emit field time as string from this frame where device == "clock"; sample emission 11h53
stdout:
6h42
